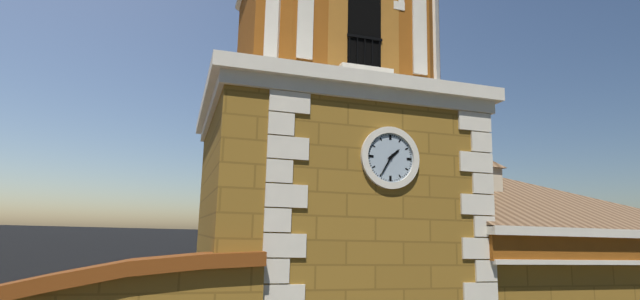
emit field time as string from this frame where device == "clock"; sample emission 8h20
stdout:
1h35
